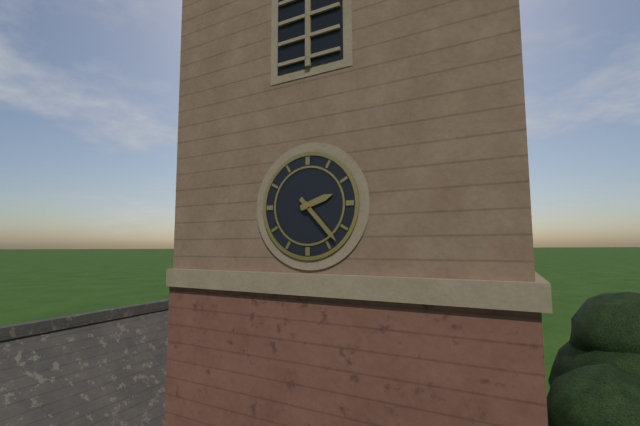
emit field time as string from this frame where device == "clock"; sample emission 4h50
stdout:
2h23
